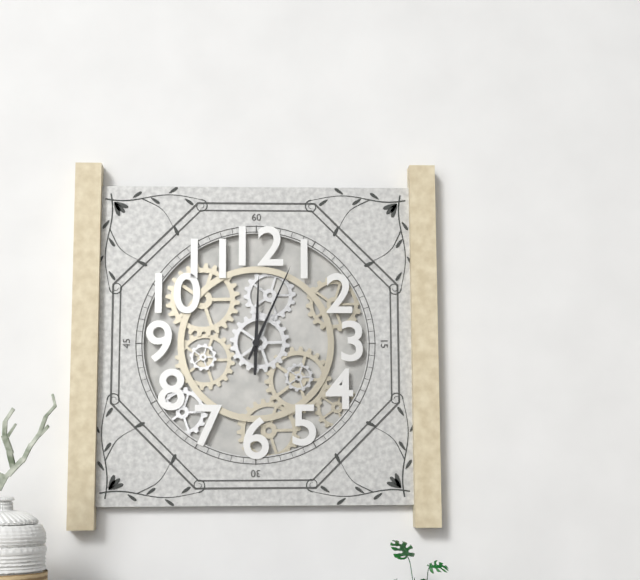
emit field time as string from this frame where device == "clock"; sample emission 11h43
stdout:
12h04
